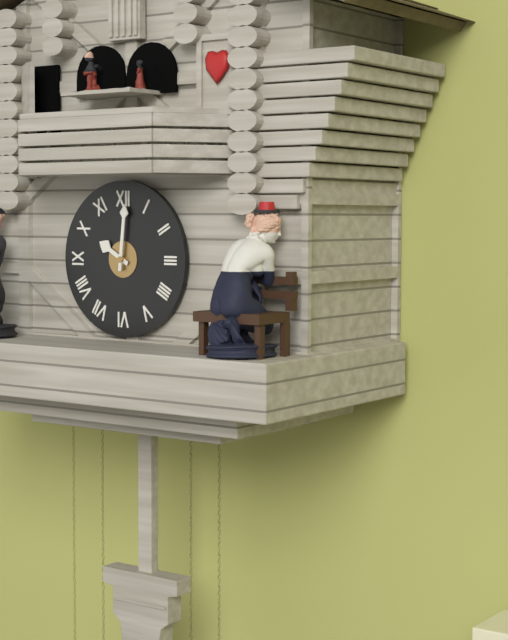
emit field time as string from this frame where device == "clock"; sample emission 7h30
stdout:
10h01
